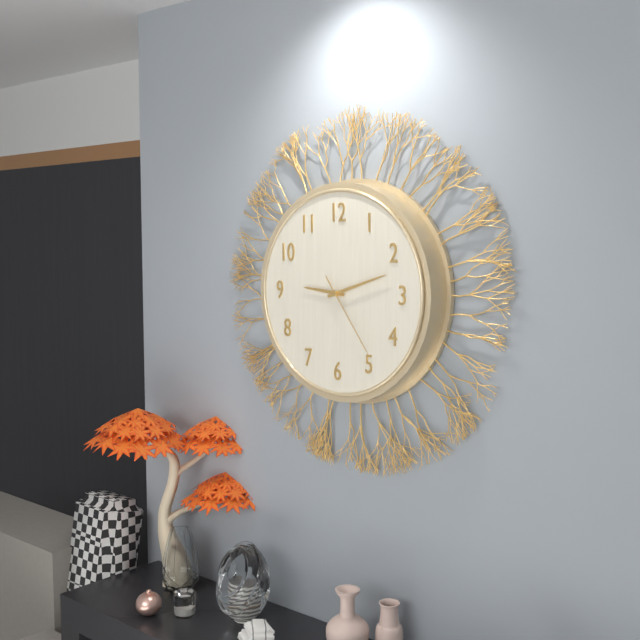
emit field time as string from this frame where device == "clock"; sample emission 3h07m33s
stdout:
9h12m24s
